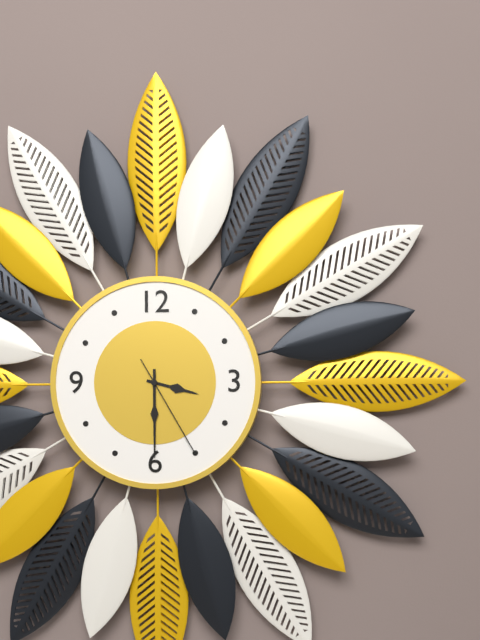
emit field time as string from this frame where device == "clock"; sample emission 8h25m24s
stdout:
3h30m25s
